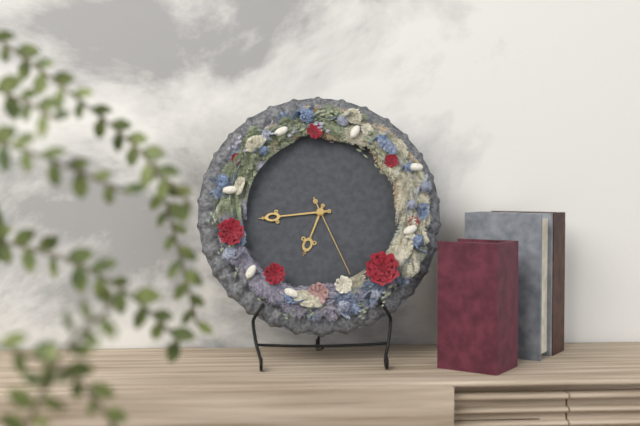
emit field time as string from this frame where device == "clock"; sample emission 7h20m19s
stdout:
6h44m26s
